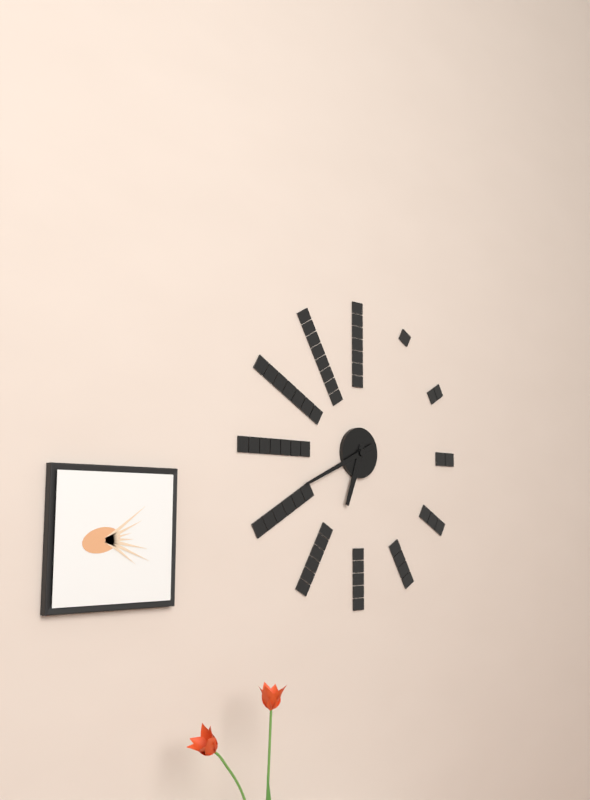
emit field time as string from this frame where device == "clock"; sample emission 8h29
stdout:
6h41
